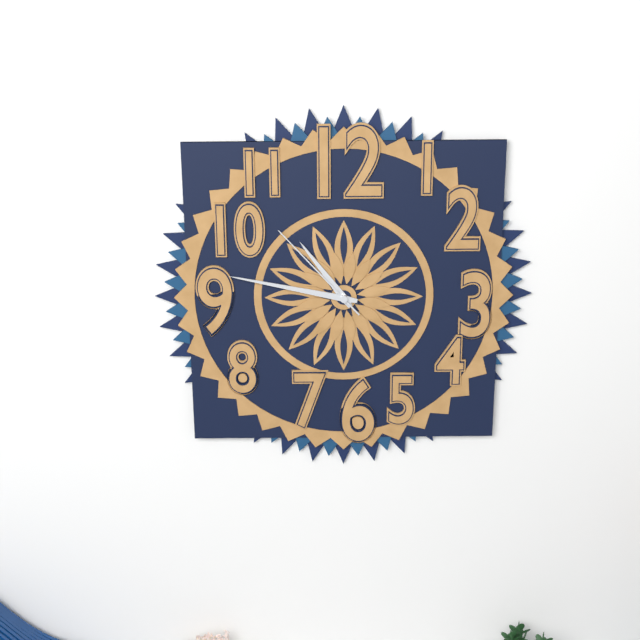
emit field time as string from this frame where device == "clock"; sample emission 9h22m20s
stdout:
10h47m53s
